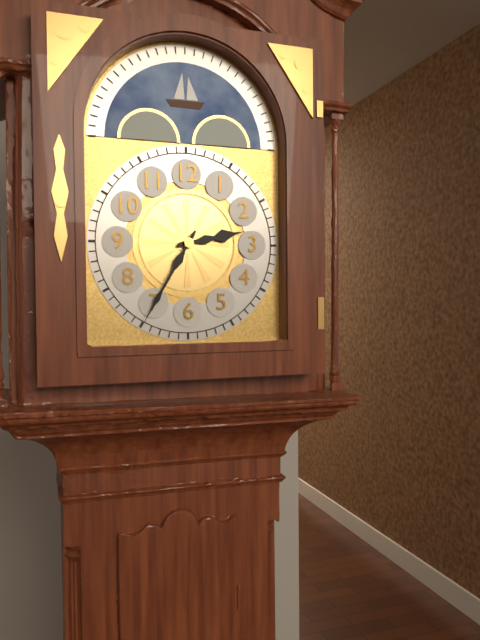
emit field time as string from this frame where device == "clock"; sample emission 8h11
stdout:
2h35
